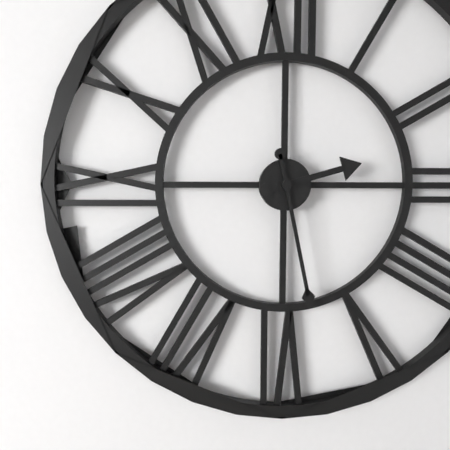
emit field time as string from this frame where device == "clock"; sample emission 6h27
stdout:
2h28
